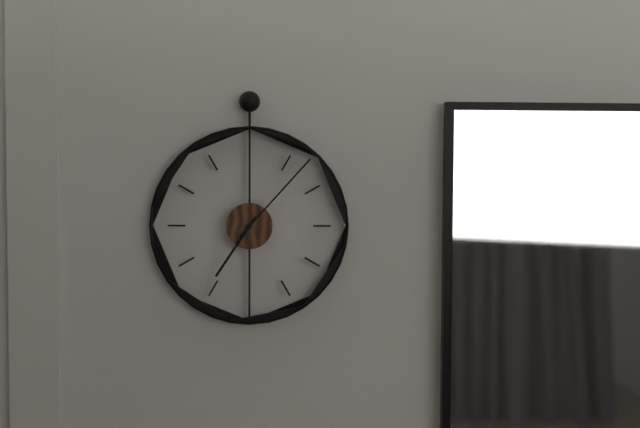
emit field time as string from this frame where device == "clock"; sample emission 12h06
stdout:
7h07
